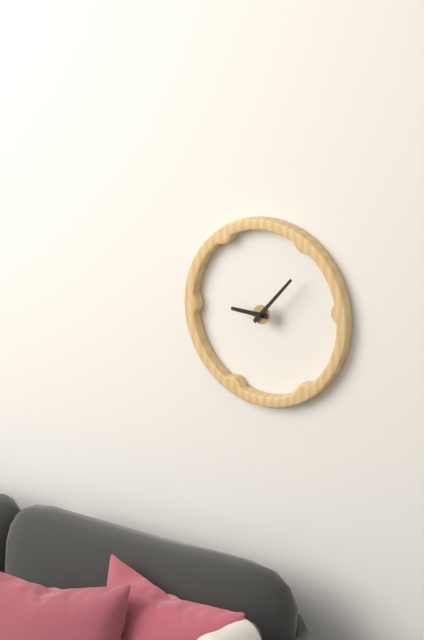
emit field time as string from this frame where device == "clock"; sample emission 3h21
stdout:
9h07
